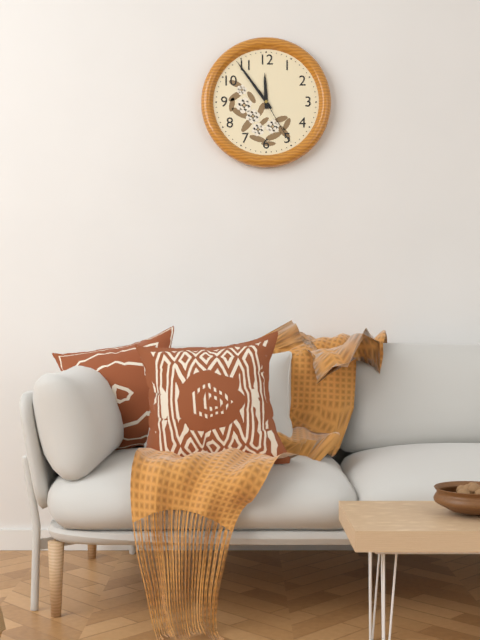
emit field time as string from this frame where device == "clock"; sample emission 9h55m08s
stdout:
11h54m25s
